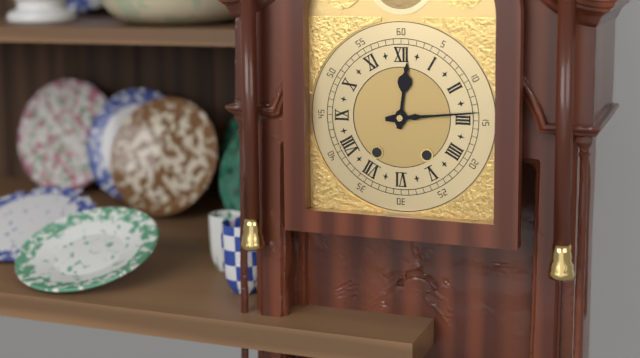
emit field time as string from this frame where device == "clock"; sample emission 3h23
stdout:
12h14
